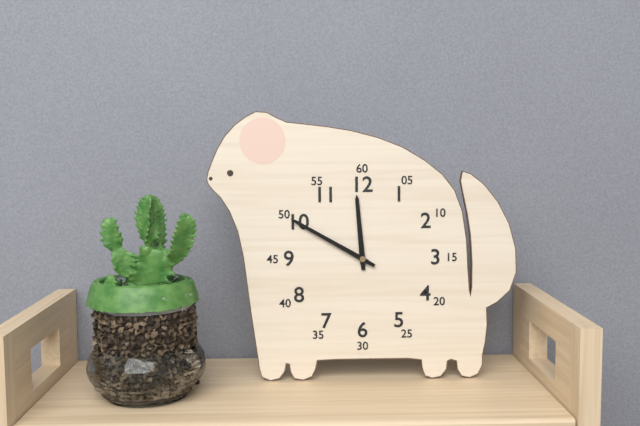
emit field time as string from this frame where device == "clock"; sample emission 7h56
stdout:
11h50
